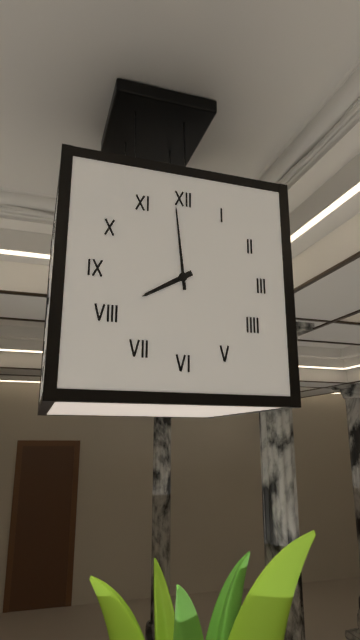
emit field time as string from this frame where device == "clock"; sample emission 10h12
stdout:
7h59
